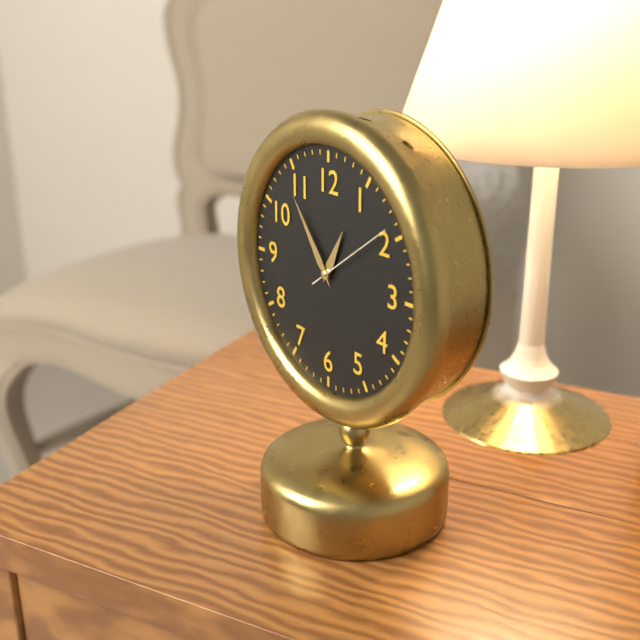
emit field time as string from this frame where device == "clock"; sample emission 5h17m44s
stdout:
12h54m09s
